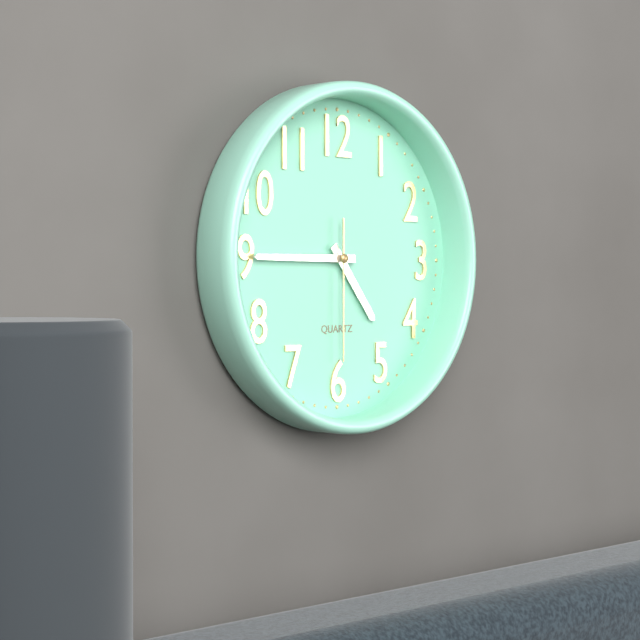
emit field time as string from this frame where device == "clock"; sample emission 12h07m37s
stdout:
4h45m30s
